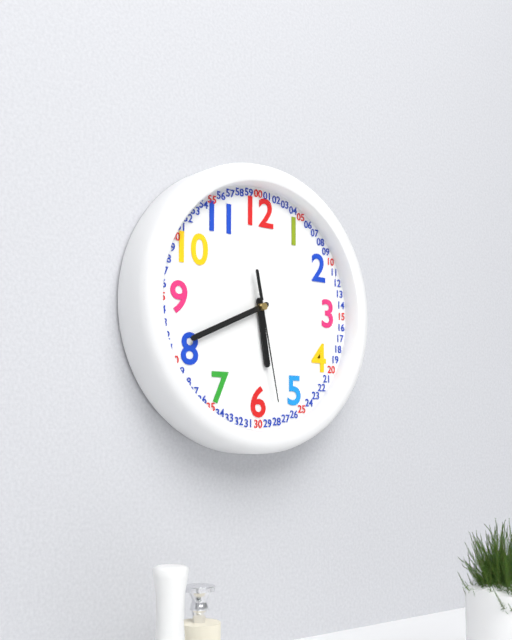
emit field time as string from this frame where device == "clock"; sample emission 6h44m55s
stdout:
5h41m28s
